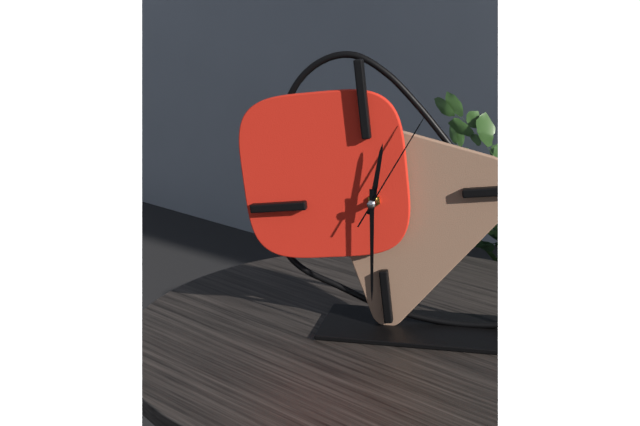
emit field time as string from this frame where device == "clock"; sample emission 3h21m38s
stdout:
12h31m06s
